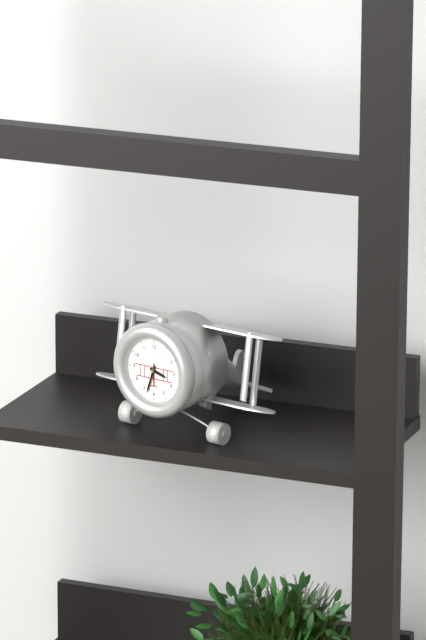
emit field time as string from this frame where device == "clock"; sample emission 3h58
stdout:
3h33
